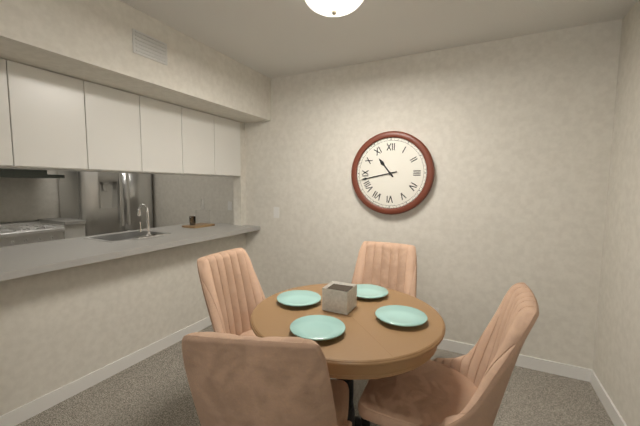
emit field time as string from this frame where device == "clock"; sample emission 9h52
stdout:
10h43
